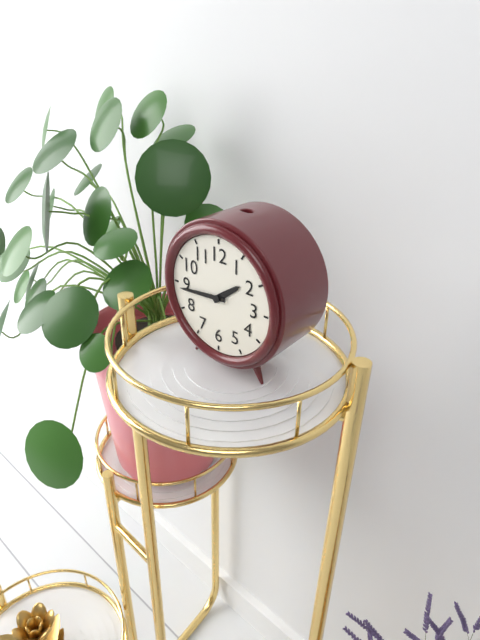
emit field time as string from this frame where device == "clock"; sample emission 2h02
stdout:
1h44
